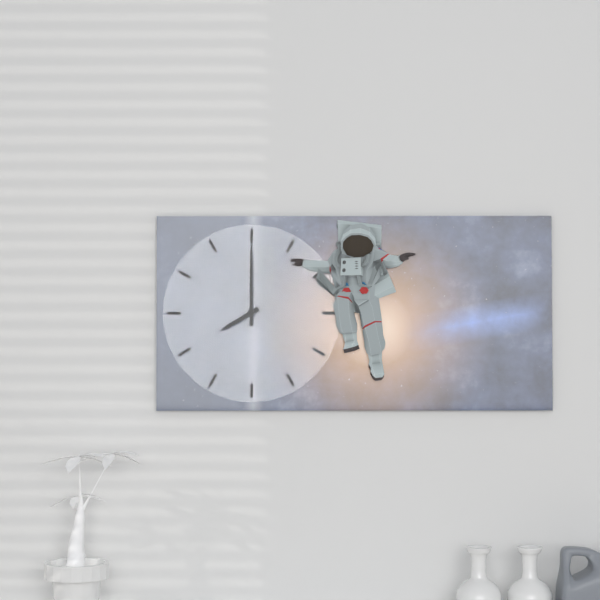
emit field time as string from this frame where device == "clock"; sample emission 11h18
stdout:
8h00
